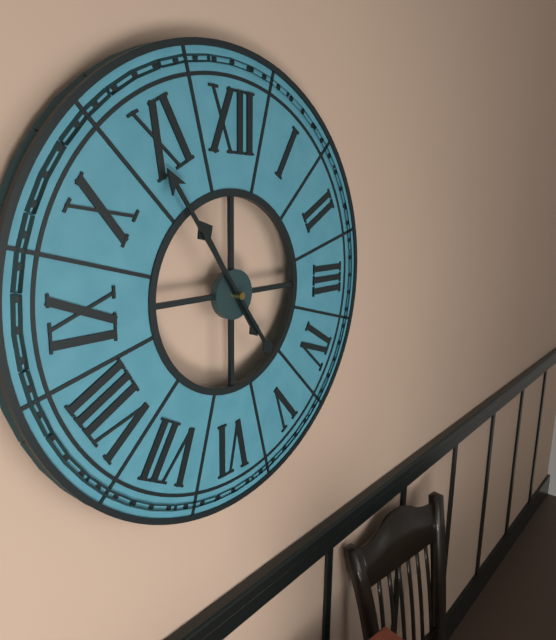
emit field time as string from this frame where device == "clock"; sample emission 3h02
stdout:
10h54
